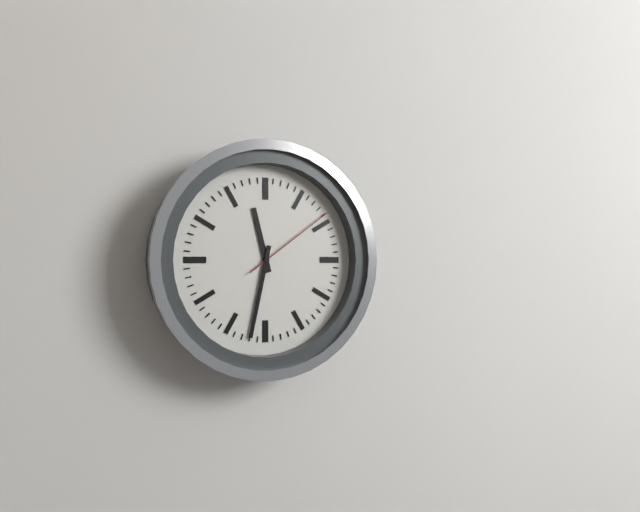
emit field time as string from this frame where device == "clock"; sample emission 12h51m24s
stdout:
11h32m09s
